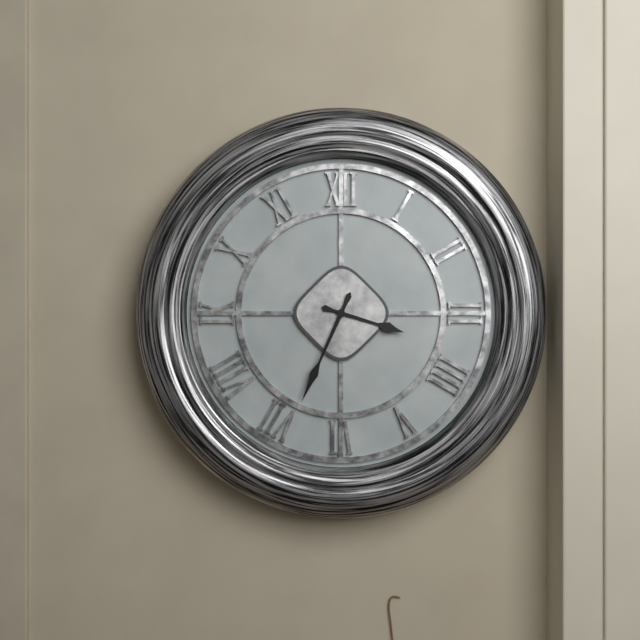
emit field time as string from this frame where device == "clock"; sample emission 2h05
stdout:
3h34
